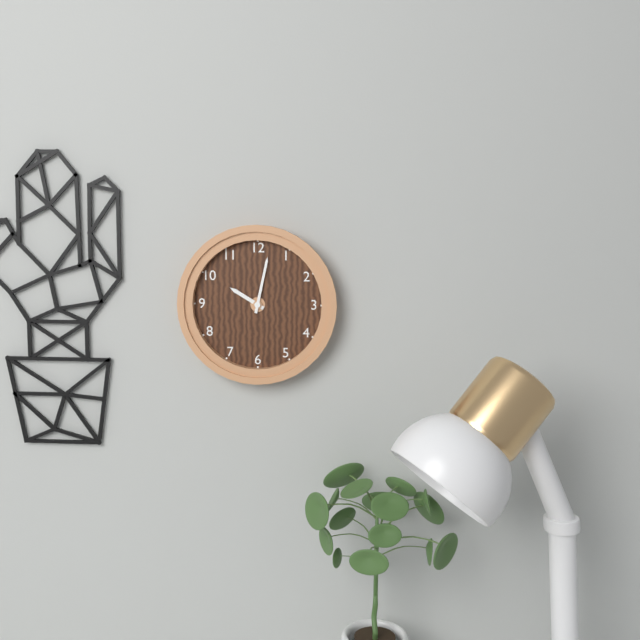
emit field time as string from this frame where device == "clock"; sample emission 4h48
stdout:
10h02
